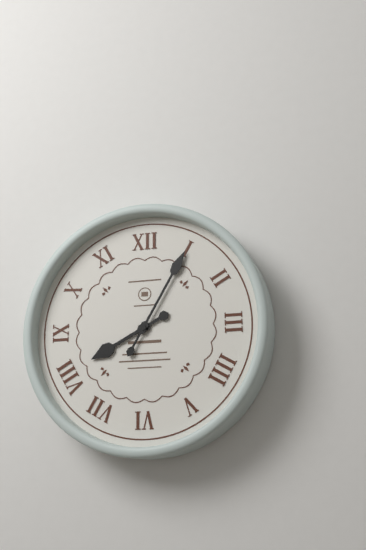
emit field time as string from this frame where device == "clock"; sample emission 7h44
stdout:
8h05
